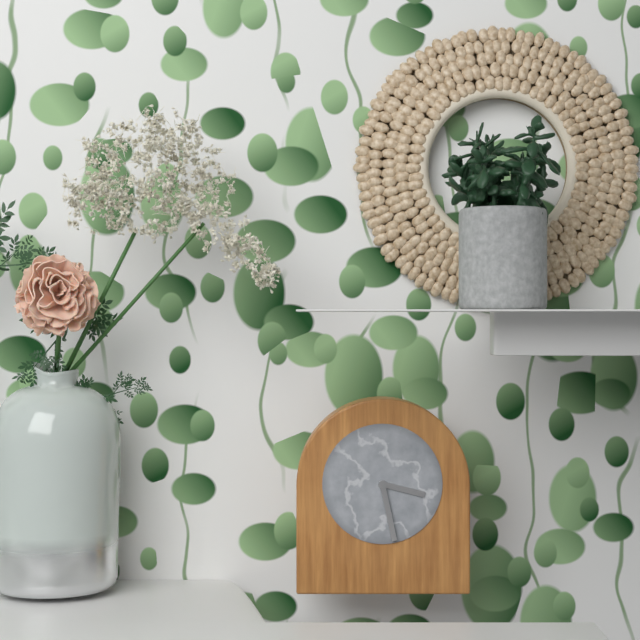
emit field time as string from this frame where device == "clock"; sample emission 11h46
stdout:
3h28
